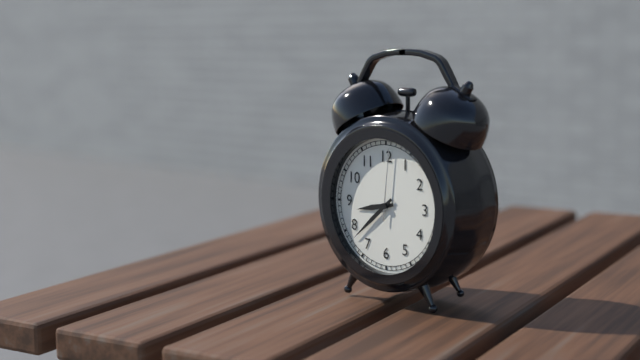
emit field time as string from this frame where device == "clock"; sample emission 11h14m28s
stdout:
8h38m01s
